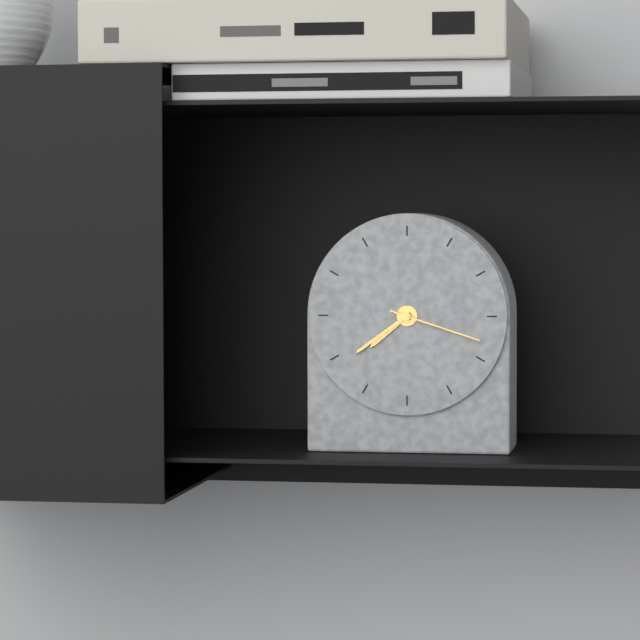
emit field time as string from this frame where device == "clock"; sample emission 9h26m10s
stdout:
7h39m18s
